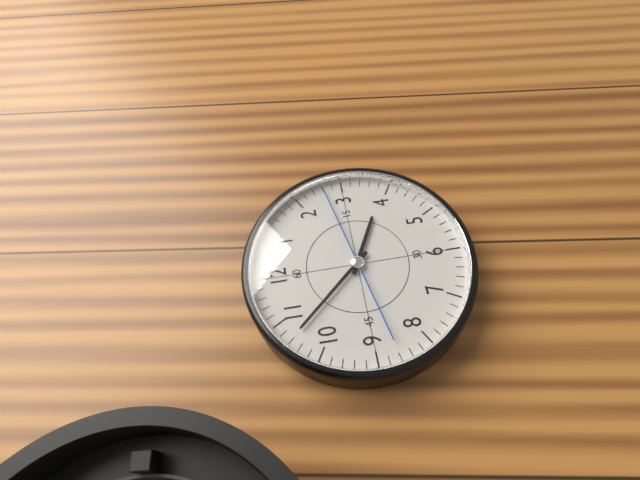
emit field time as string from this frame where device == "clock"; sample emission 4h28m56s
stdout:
3h53m13s
